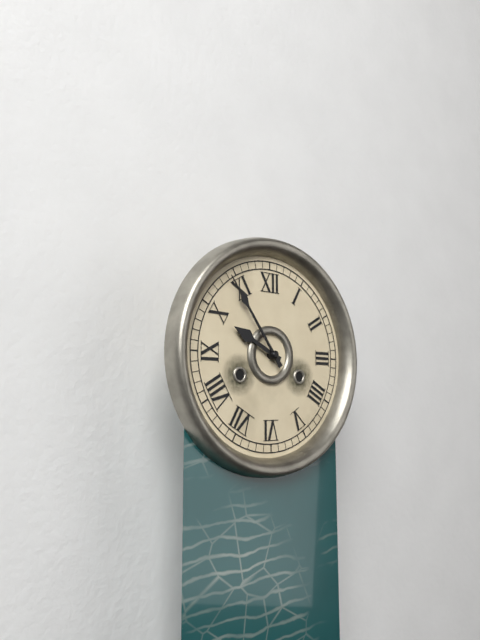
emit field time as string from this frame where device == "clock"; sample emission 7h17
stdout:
9h54
